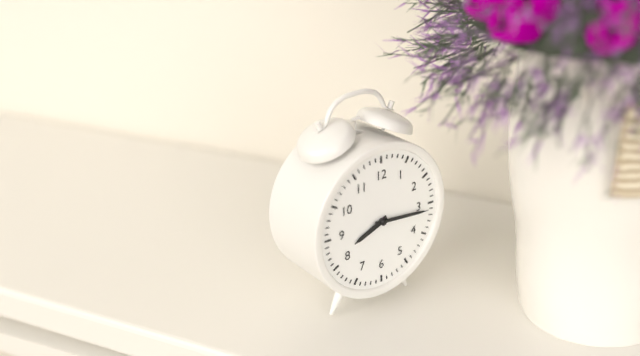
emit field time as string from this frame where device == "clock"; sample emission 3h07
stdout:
8h16
